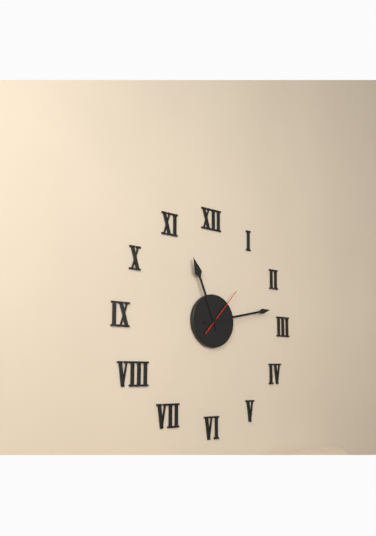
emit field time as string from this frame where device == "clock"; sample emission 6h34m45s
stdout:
11h13m07s
